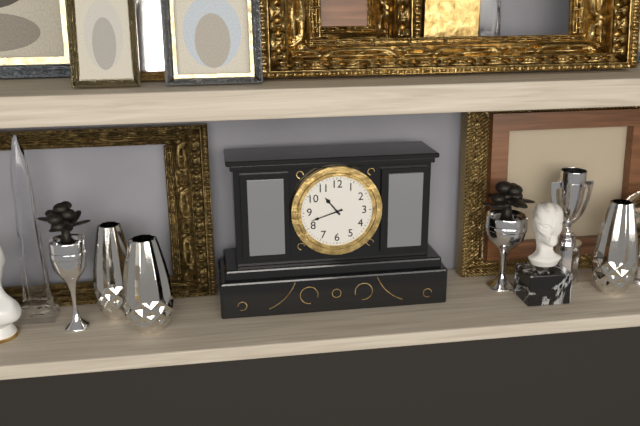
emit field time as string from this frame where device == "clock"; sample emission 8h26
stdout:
10h42
